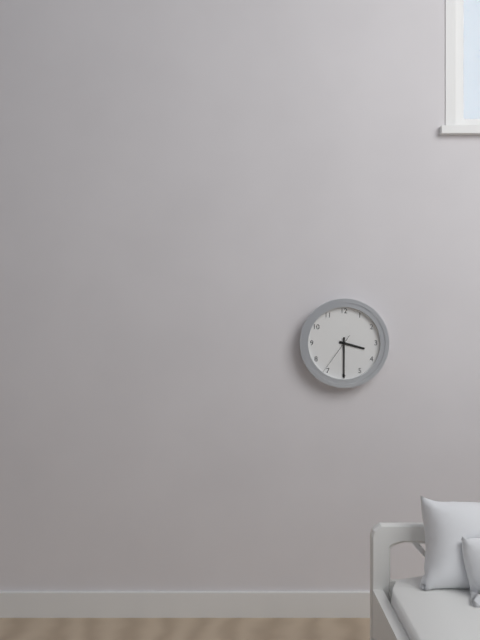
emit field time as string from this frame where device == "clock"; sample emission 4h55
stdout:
3h30
